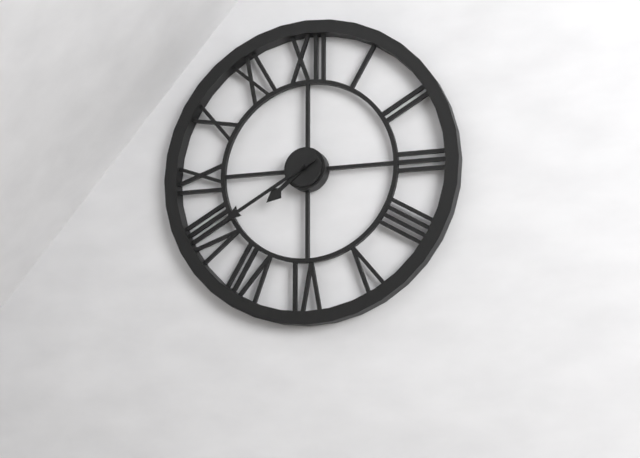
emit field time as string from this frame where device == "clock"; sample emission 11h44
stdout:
7h40
